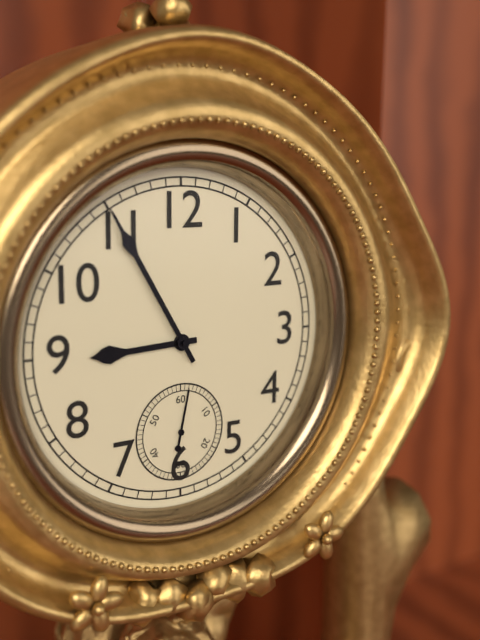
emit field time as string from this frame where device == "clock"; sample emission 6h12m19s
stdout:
8h55m02s
